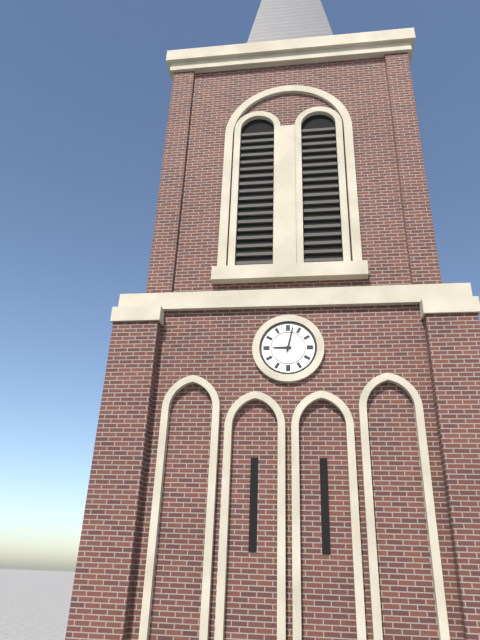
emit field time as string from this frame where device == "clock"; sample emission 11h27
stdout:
9h02
